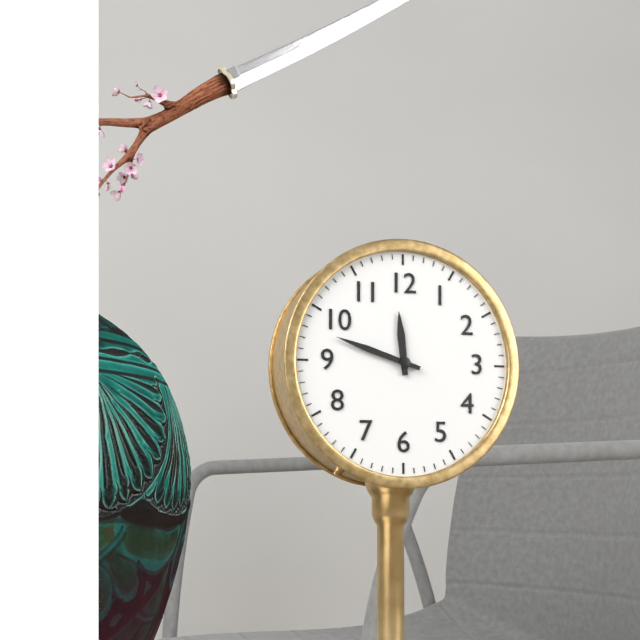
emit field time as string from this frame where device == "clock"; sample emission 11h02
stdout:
11h48
